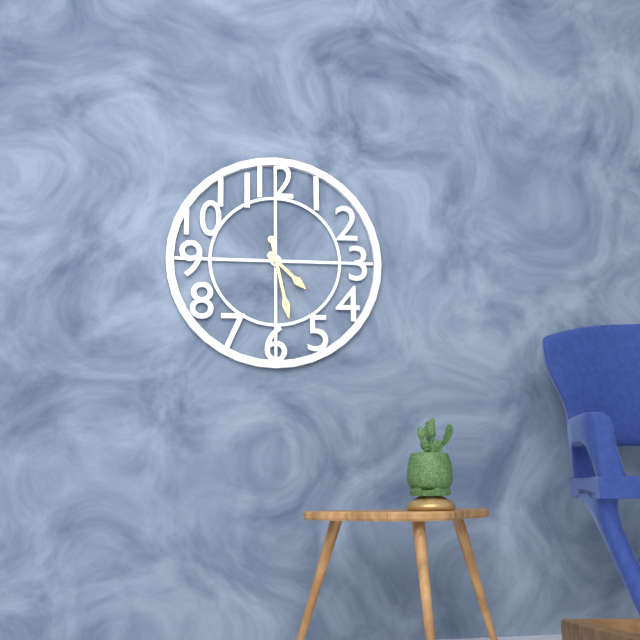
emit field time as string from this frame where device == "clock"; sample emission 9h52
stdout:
4h28
